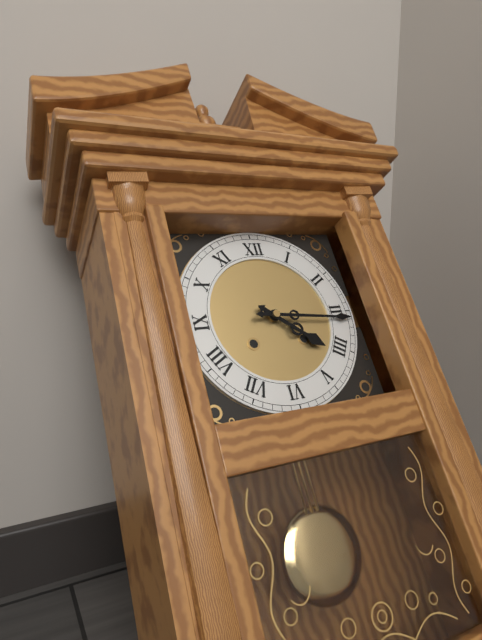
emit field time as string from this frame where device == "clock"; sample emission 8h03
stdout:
4h16
